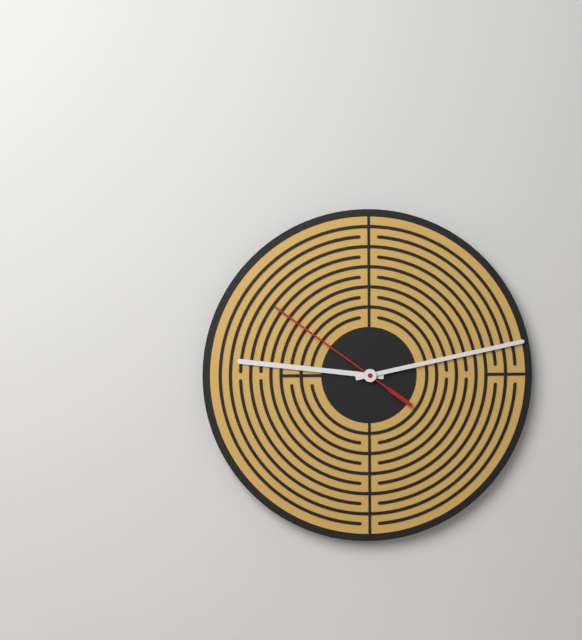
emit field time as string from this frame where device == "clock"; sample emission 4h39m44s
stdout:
9h13m51s
